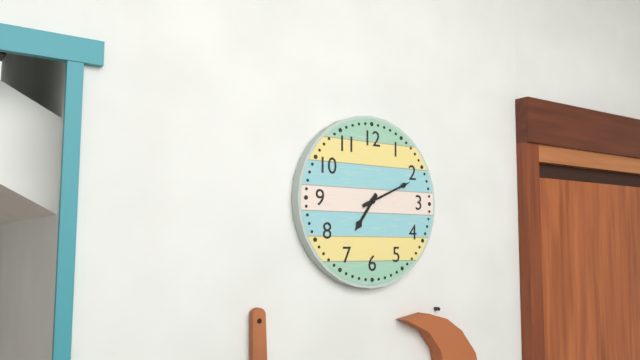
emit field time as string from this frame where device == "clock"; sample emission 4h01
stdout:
7h11
